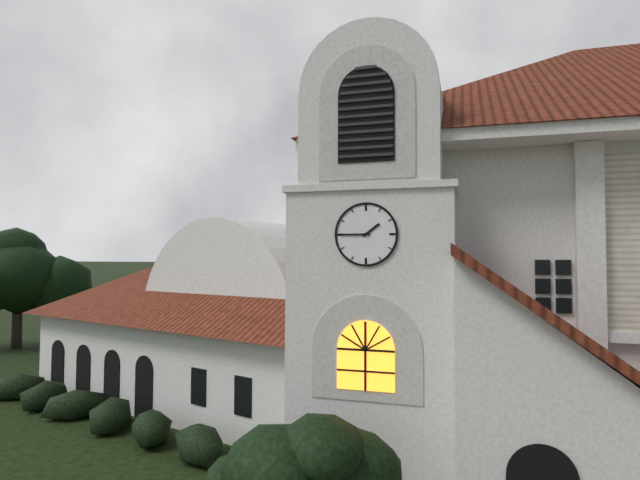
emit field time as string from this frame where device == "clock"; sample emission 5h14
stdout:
1h45
